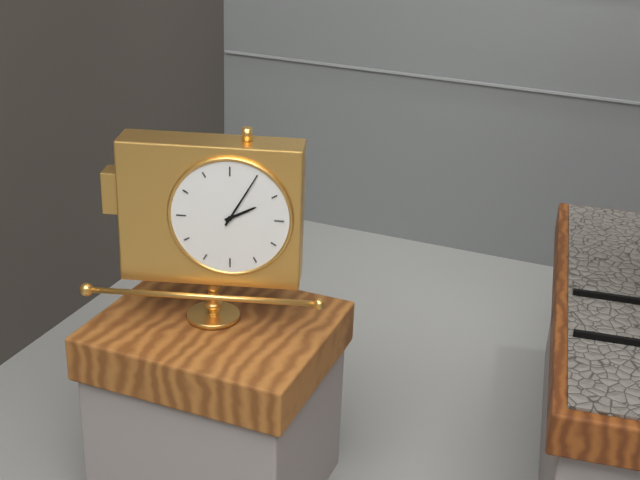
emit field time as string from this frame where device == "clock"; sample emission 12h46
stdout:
2h05
